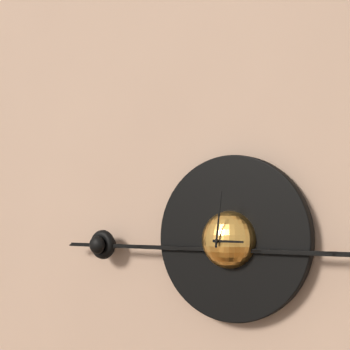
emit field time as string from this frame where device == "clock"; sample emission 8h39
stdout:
3h01
